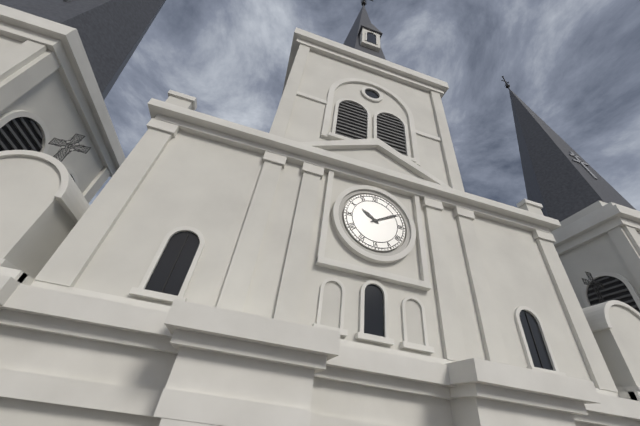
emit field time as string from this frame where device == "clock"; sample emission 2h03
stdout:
10h10
